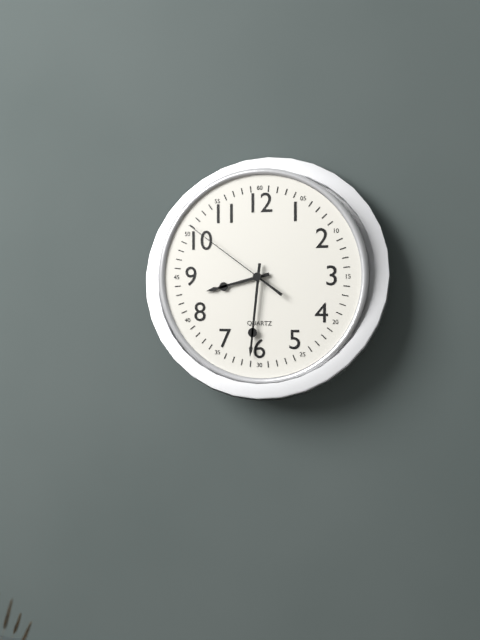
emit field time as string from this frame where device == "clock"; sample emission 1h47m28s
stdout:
8h31m51s
